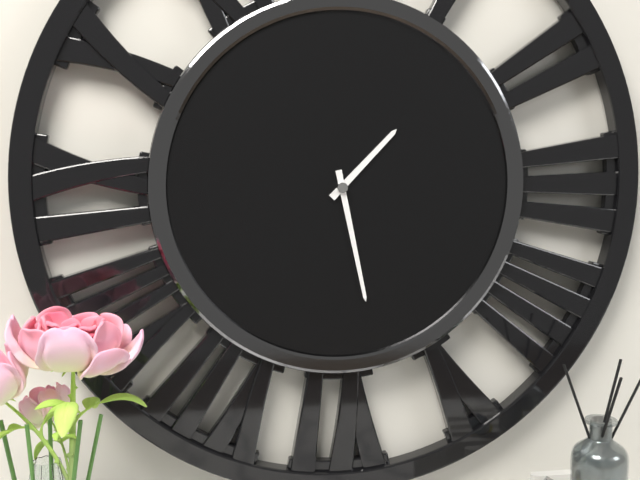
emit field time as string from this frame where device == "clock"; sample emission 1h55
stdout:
1h28
